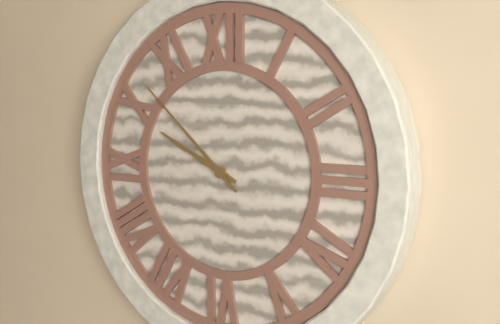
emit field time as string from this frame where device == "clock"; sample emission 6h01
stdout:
9h52
